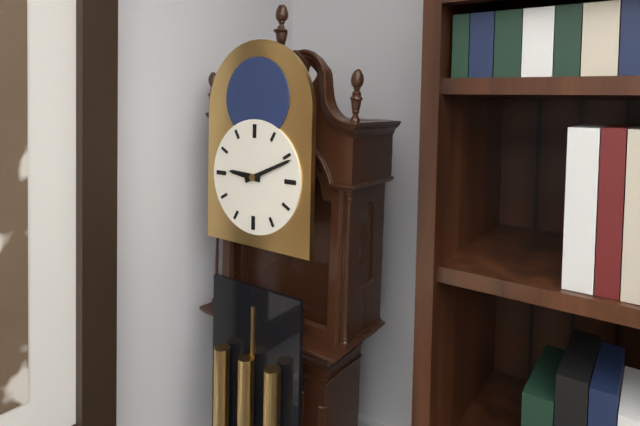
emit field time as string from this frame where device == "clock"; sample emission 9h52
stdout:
9h11
